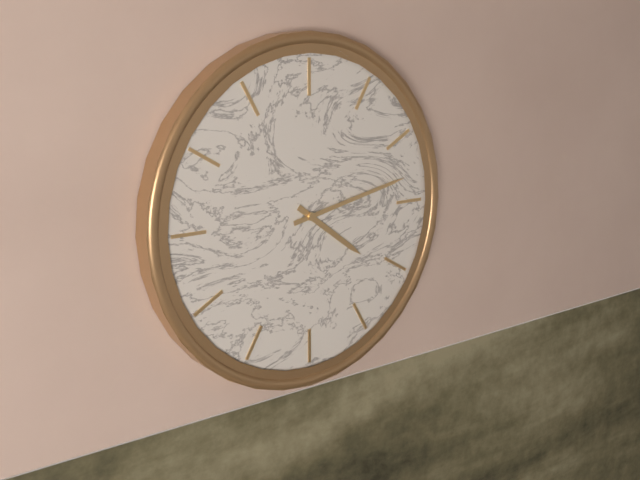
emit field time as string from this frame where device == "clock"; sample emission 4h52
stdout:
4h13
